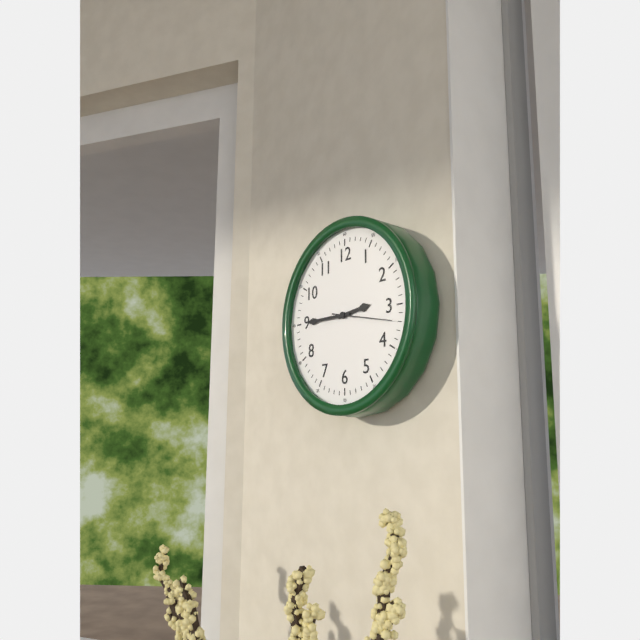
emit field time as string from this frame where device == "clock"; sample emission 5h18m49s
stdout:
2h45m17s
